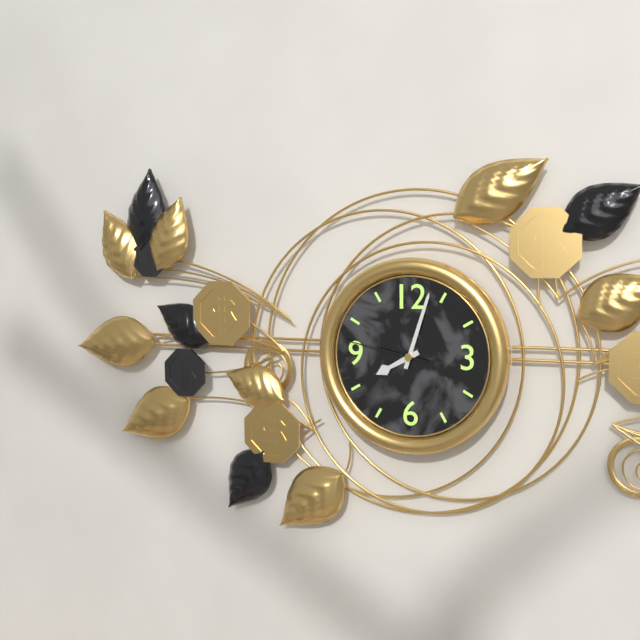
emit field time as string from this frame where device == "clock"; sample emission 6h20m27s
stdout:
8h03m47s
